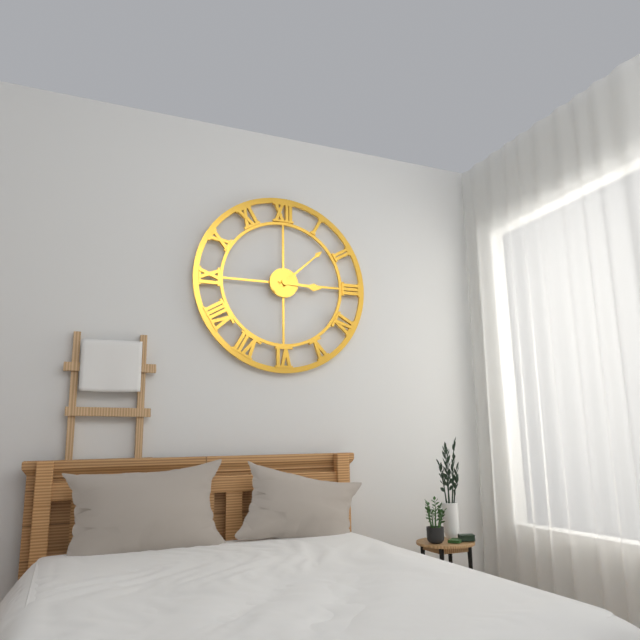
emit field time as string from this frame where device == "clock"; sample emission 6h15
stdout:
3h08
